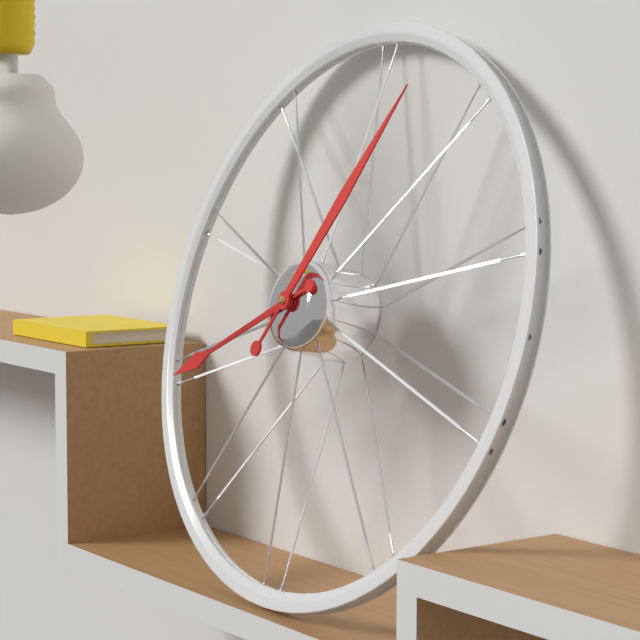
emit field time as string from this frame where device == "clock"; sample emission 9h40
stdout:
8h05
